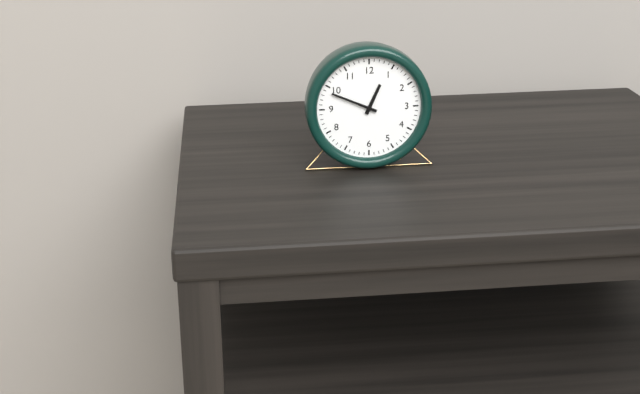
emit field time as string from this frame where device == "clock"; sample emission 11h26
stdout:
12h49
